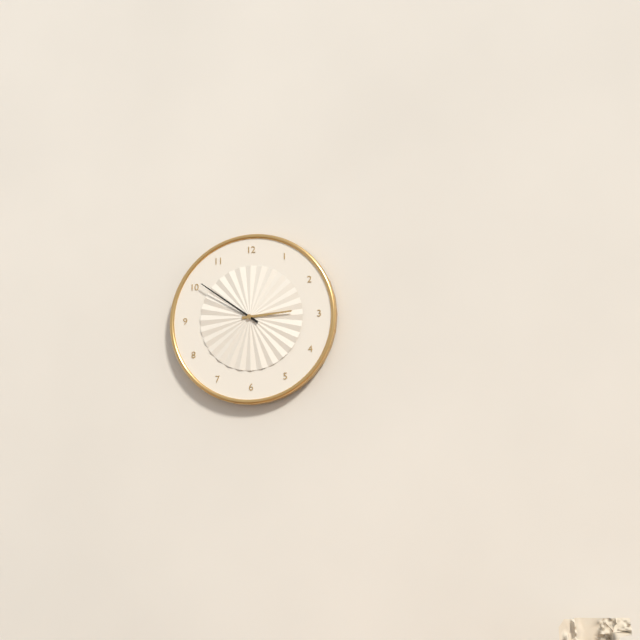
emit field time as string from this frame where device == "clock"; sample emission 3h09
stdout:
2h51
